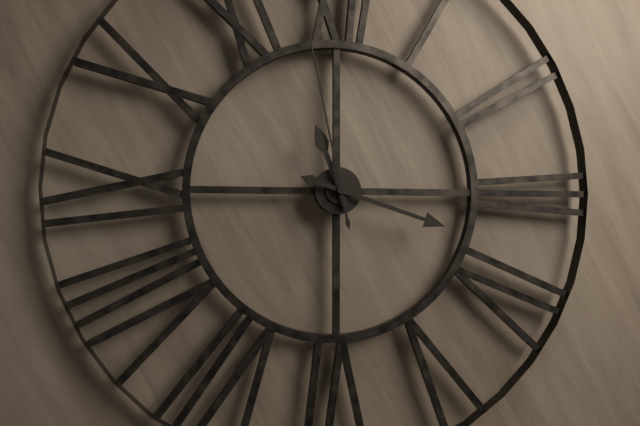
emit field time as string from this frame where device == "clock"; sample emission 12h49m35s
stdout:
11h18m58s
